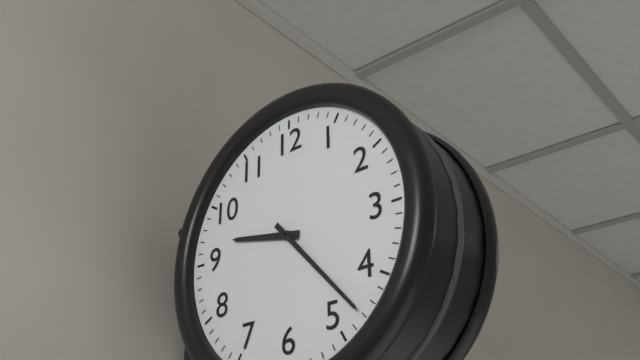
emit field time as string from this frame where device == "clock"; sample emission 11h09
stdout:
9h23
